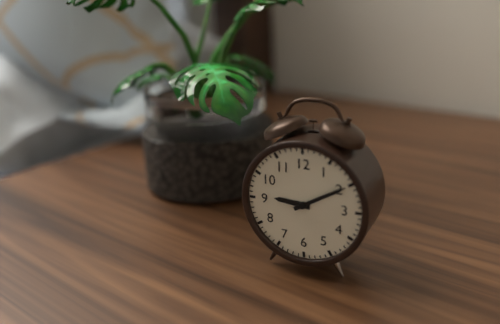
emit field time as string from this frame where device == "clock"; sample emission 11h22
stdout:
9h10
